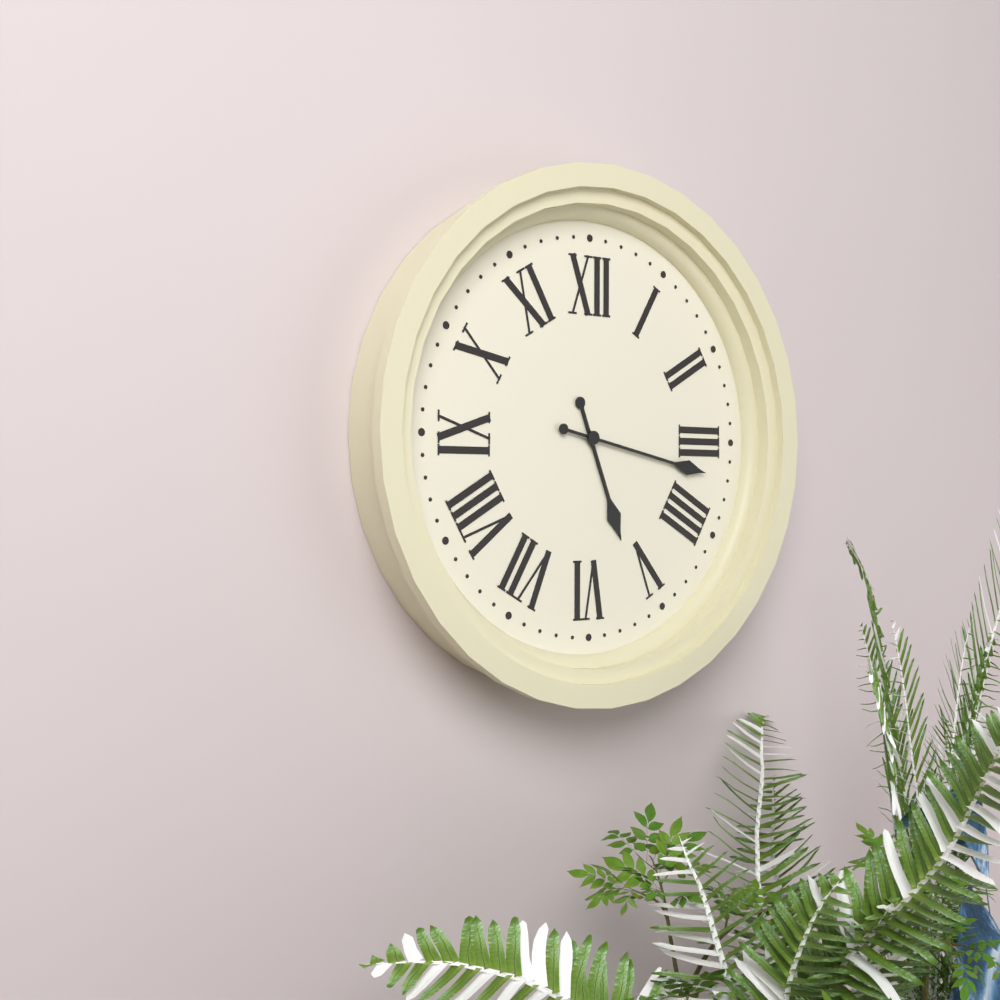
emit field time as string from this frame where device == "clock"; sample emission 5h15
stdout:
5h17
